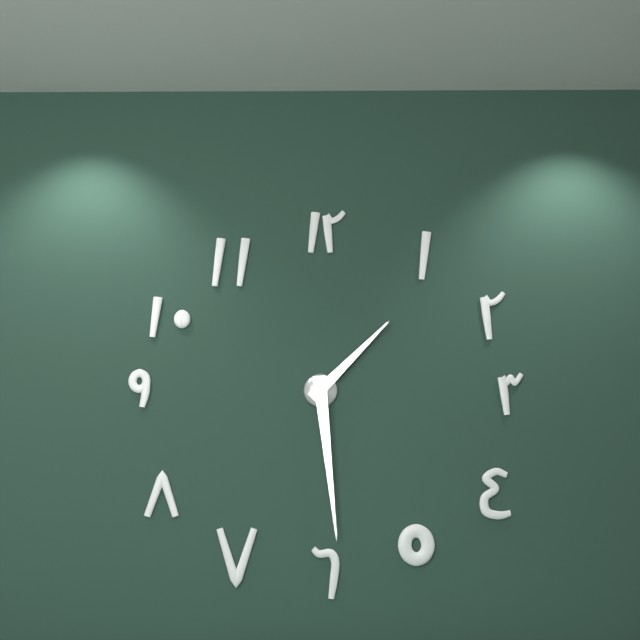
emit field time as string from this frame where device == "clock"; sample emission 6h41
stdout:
1h29
